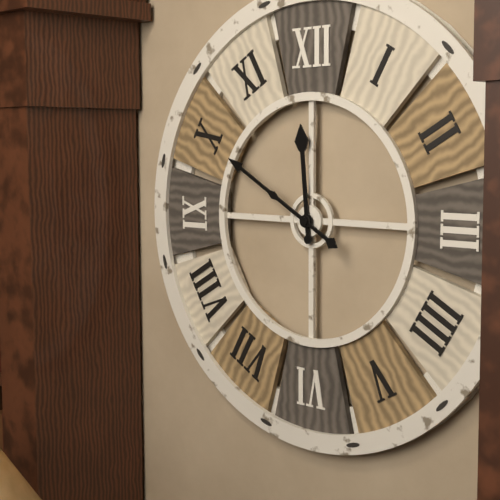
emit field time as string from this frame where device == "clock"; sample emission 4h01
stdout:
11h50
